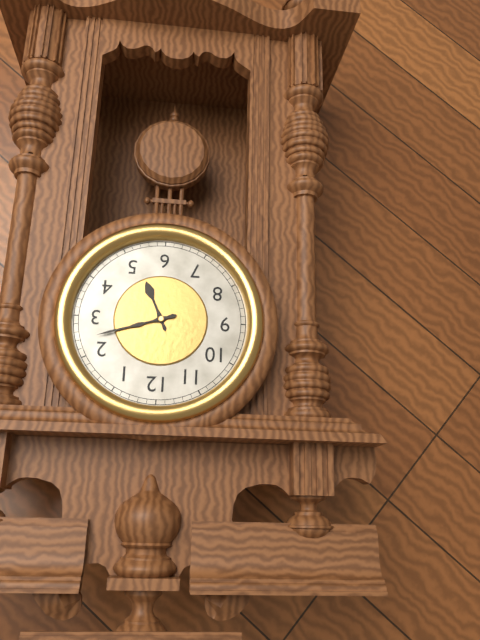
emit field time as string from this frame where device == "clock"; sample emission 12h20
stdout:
5h12
